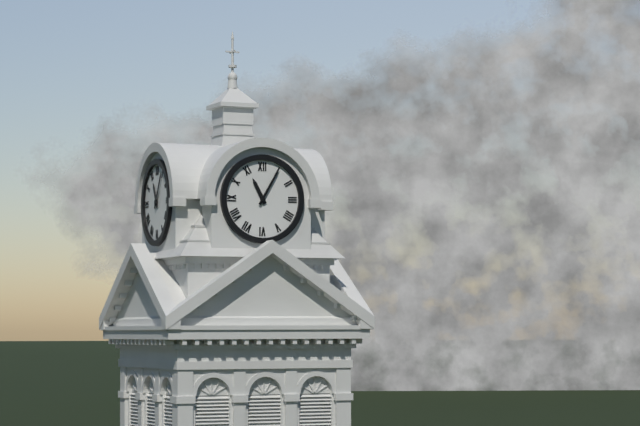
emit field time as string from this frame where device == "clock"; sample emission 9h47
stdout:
11h05
